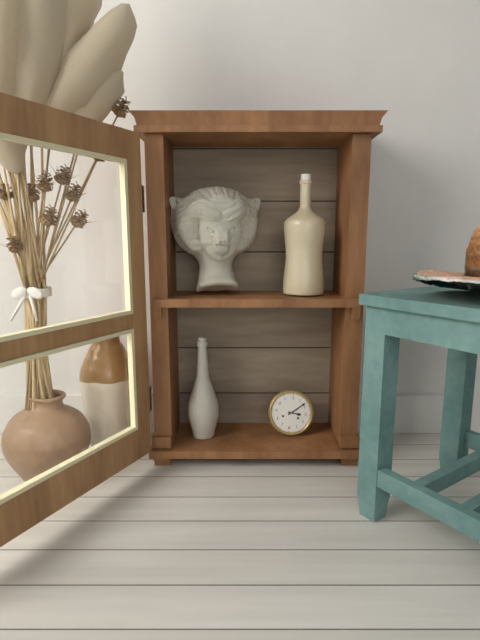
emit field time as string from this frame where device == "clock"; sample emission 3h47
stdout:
3h08
